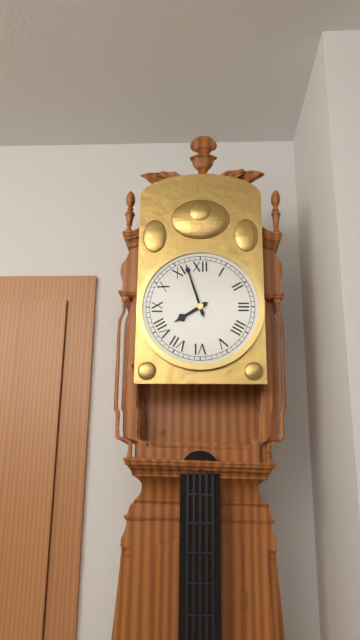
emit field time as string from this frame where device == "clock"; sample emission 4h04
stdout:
7h57
